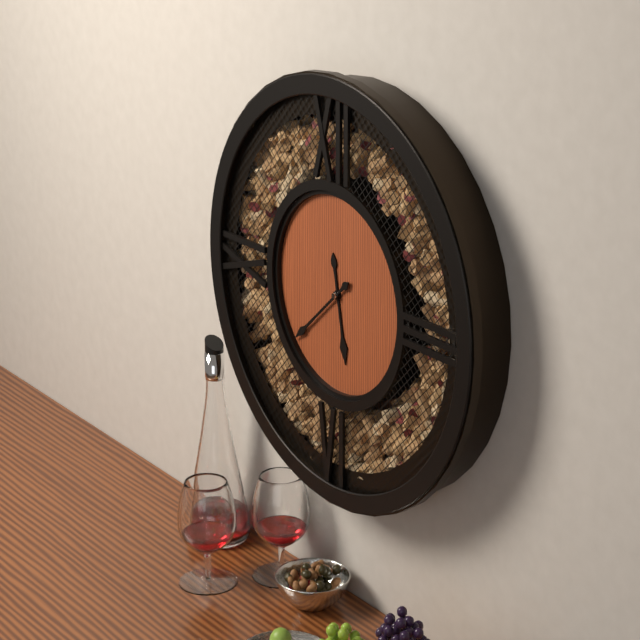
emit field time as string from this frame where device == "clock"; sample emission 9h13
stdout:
5h38
